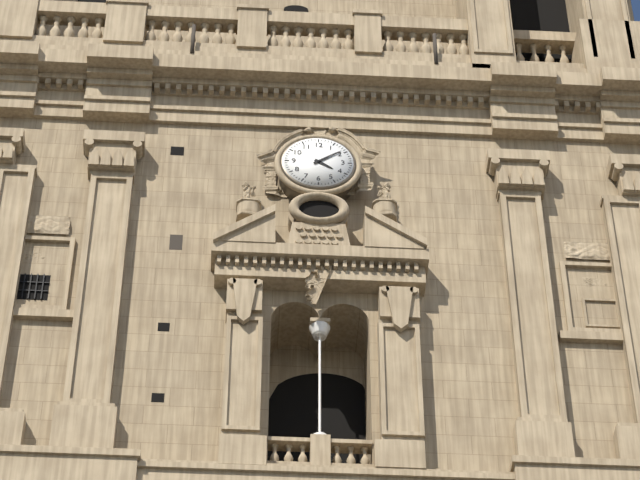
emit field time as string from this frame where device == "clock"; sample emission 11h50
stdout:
4h09
